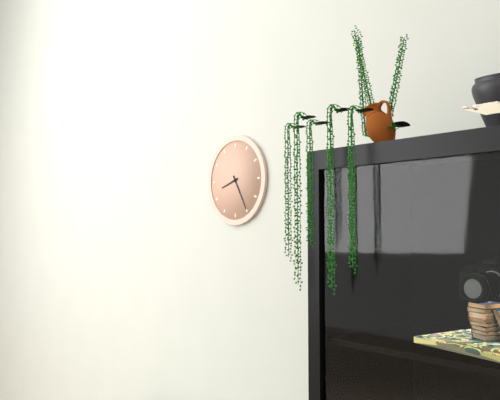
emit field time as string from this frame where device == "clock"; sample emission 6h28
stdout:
8h25
